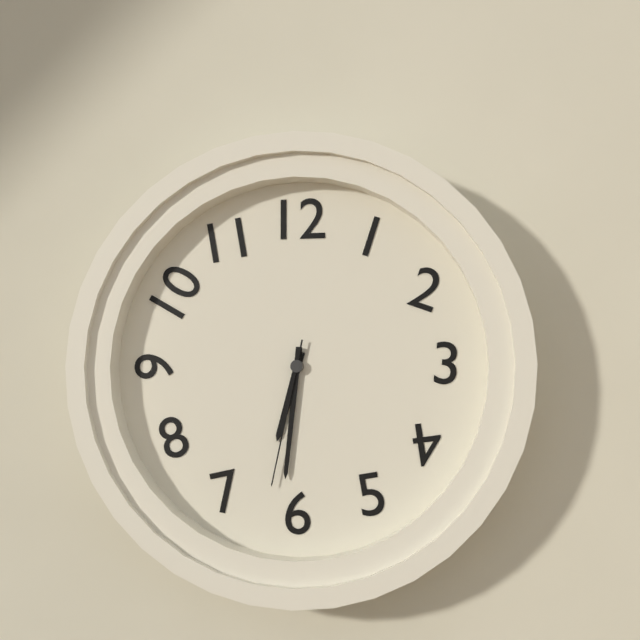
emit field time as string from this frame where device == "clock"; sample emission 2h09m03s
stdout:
6h31m32s
